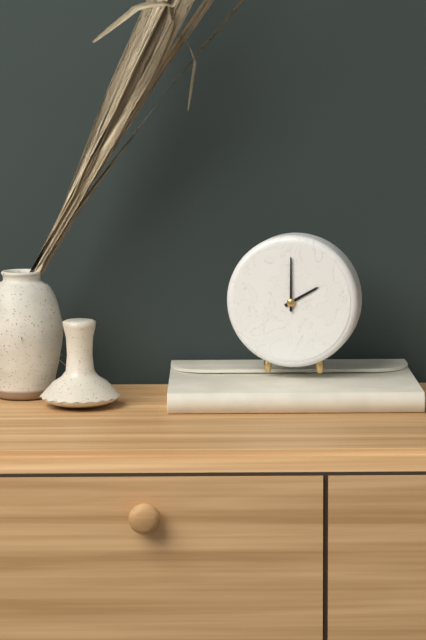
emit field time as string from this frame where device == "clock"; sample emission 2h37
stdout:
2h00
